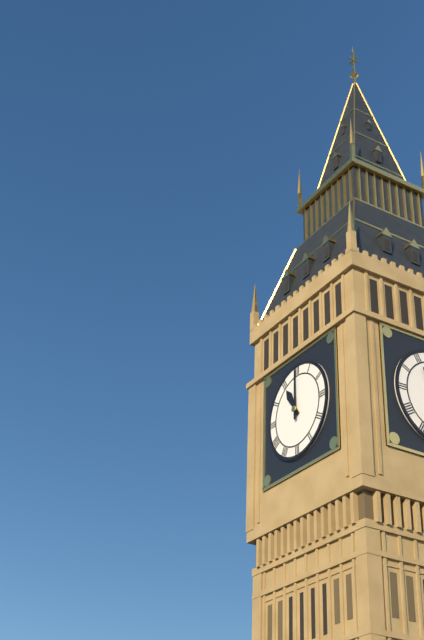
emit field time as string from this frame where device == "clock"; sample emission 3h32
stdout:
11h00
